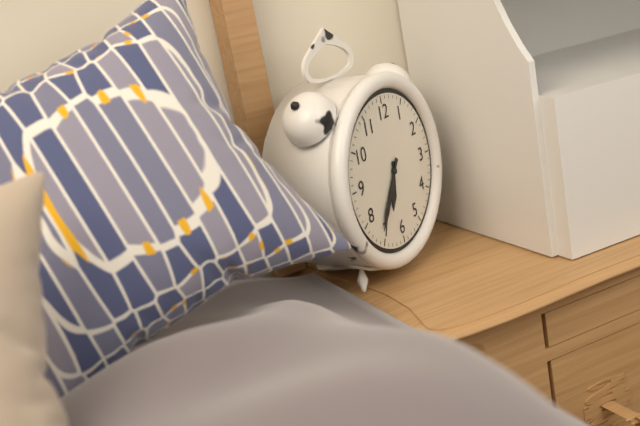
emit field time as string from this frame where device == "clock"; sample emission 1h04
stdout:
6h36
